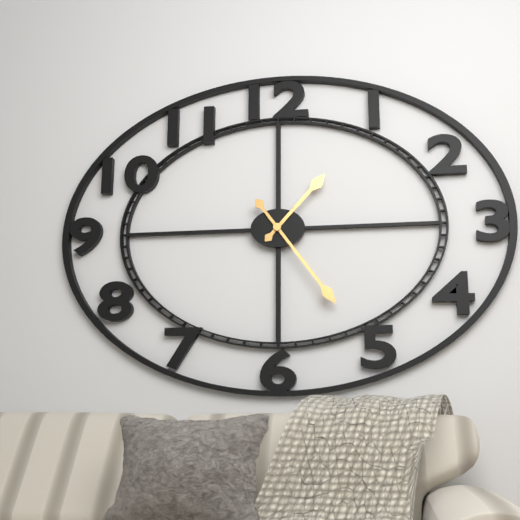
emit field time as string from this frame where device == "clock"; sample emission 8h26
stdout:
1h24
